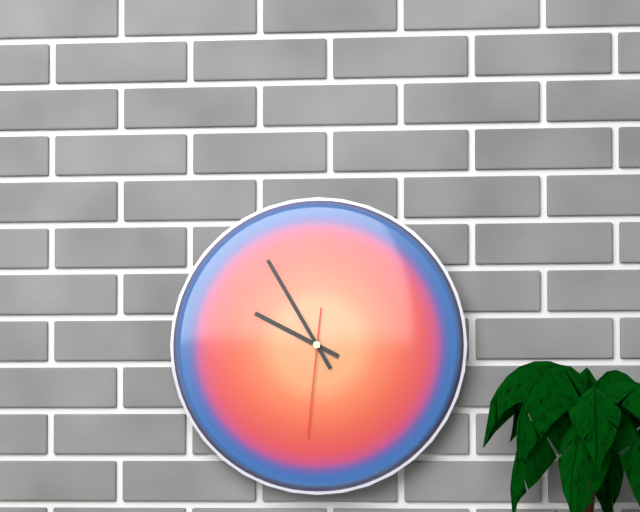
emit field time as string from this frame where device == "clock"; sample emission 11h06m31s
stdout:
9h55m31s
